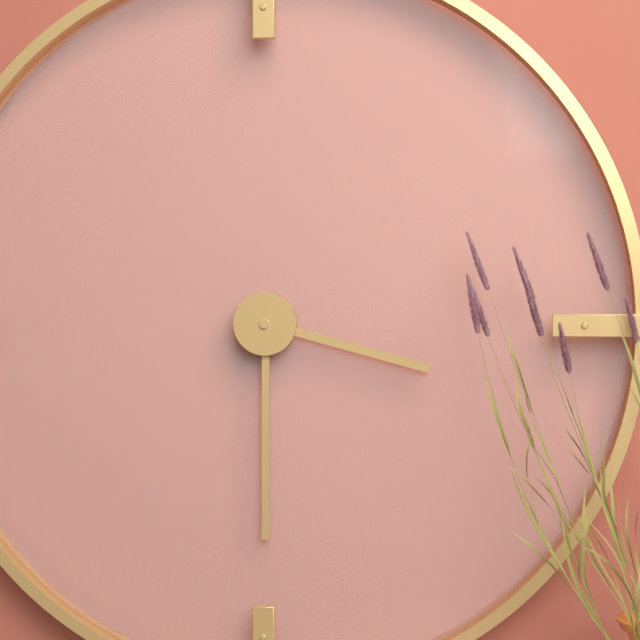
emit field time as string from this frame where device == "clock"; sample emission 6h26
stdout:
3h30
